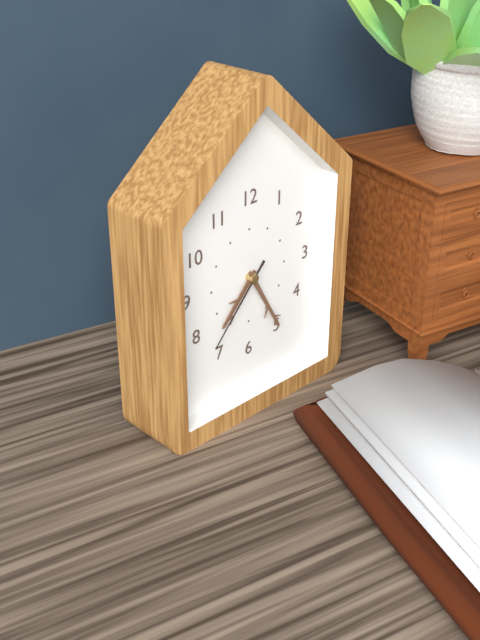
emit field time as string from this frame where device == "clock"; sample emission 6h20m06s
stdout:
7h25m37s
